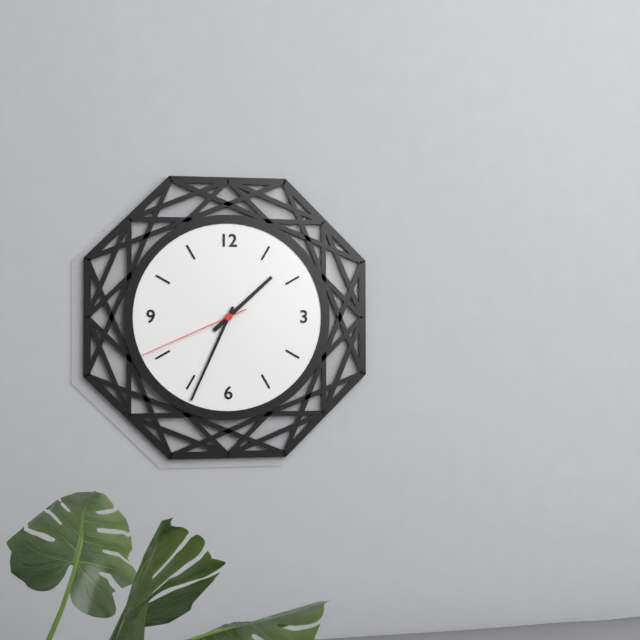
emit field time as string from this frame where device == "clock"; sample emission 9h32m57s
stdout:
1h34m41s
